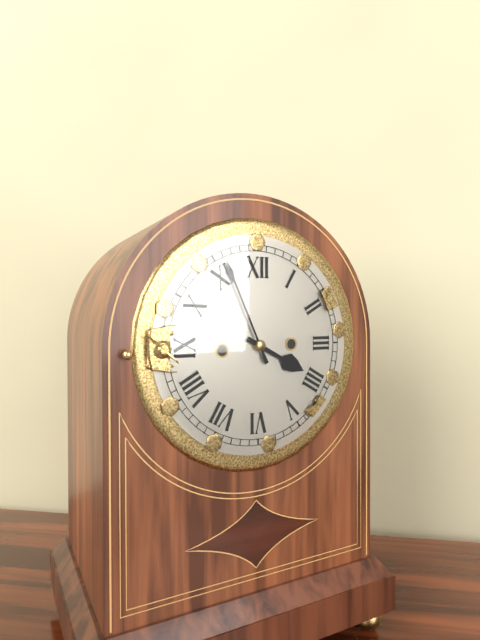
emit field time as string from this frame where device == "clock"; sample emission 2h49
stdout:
3h56
